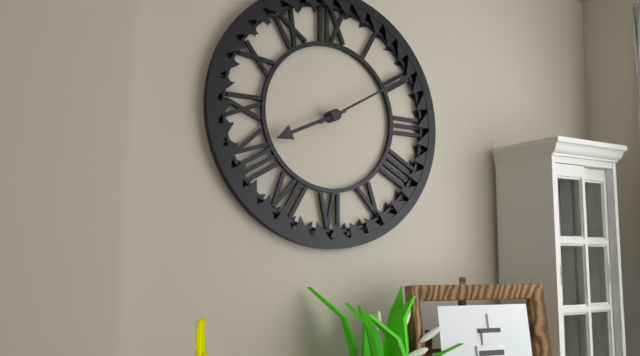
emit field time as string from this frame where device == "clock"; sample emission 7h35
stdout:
8h10
